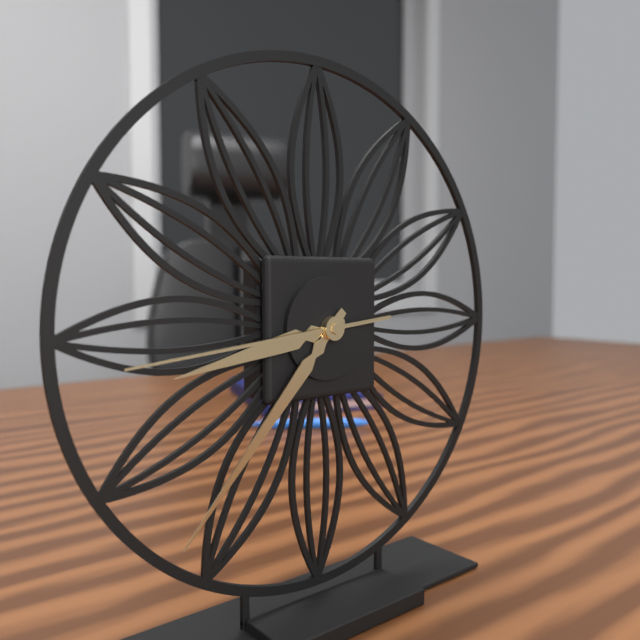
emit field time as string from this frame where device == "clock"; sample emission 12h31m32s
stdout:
8h37m44s
